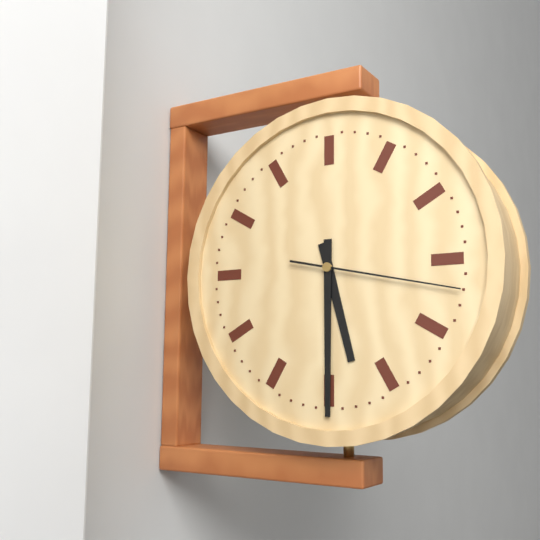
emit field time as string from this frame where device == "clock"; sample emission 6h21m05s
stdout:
5h30m17s
